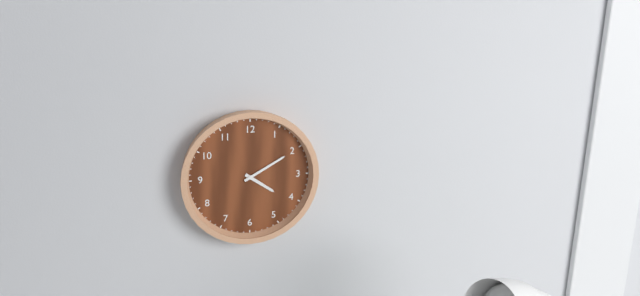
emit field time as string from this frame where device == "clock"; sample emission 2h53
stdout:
4h10
